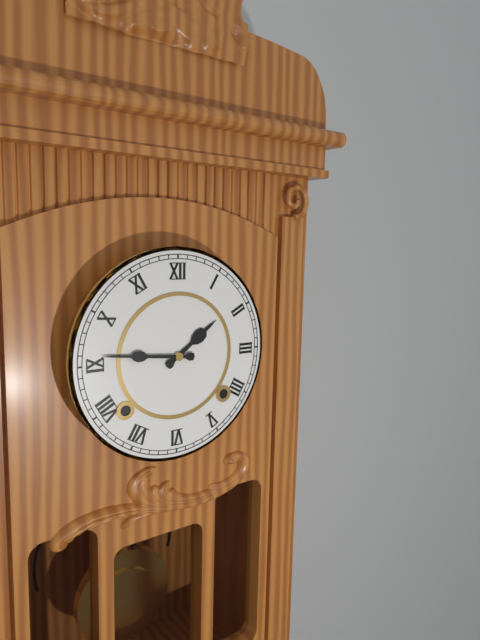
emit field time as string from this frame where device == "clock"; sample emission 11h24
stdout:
1h46
